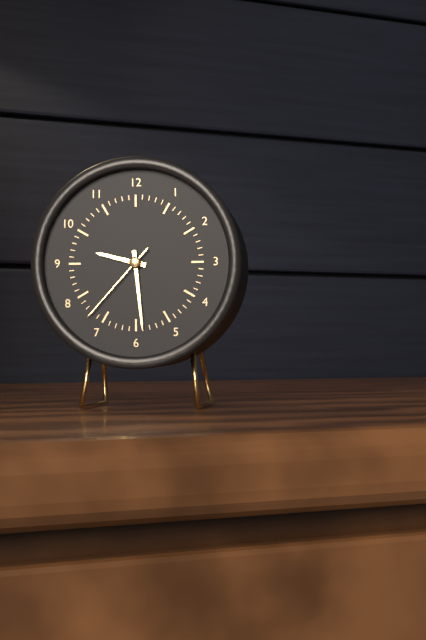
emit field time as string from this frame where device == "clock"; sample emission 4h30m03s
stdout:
9h29m37s
